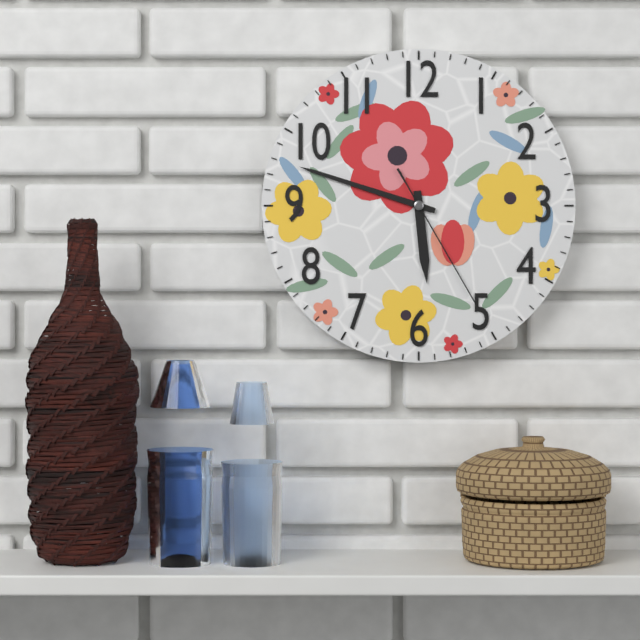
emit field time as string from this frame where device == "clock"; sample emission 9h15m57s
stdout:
5h48m25s
